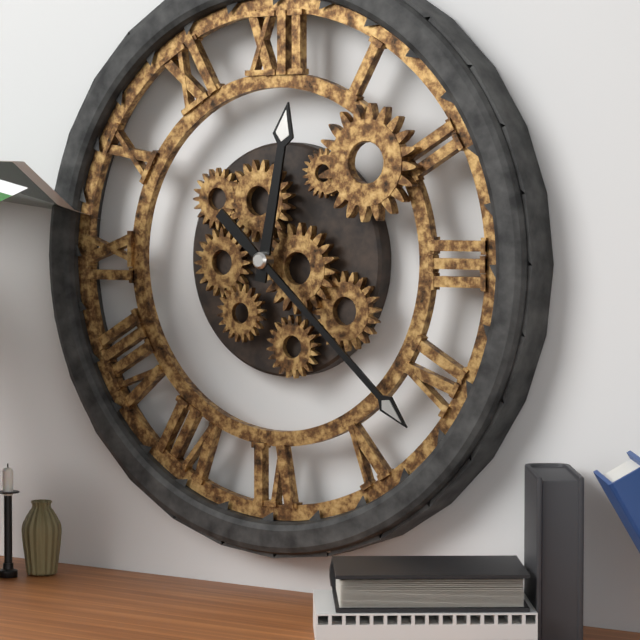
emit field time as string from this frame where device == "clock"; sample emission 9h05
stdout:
12h22
